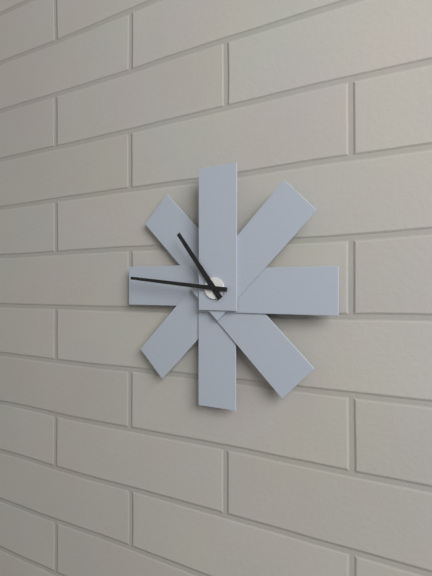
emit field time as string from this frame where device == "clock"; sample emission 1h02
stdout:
10h46
